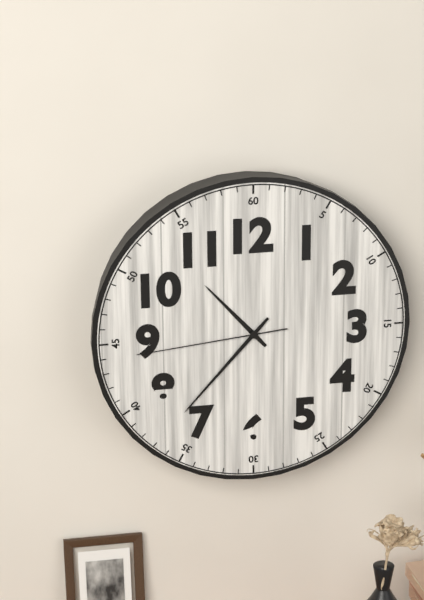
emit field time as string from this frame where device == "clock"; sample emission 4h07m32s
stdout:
10h37m44s
